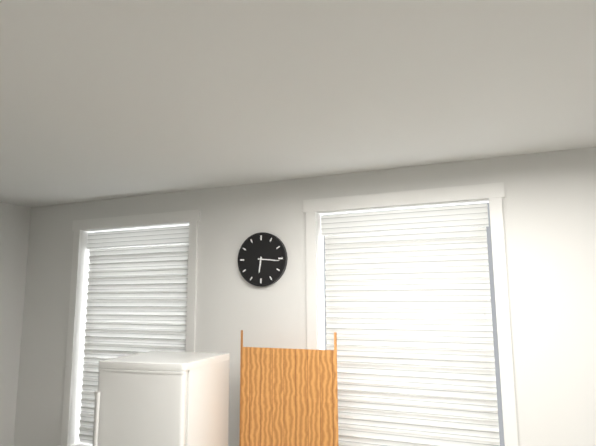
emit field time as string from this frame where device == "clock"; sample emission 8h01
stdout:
6h16
